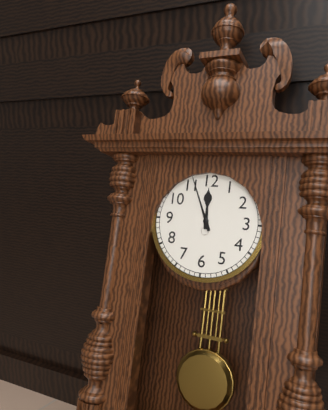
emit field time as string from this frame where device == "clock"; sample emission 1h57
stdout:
11h56
